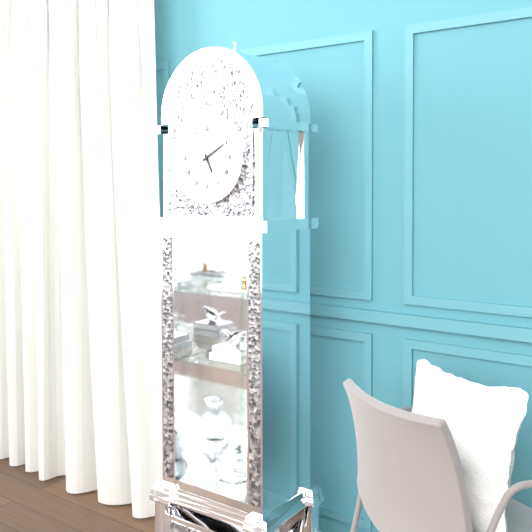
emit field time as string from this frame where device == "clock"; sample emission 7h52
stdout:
5h10
